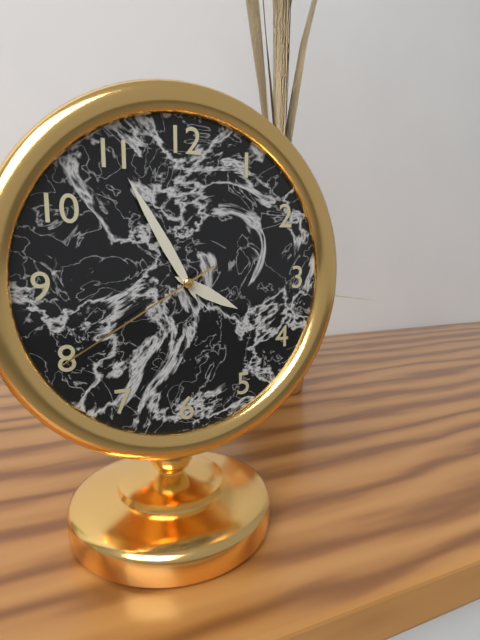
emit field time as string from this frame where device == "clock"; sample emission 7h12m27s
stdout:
3h55m40s
